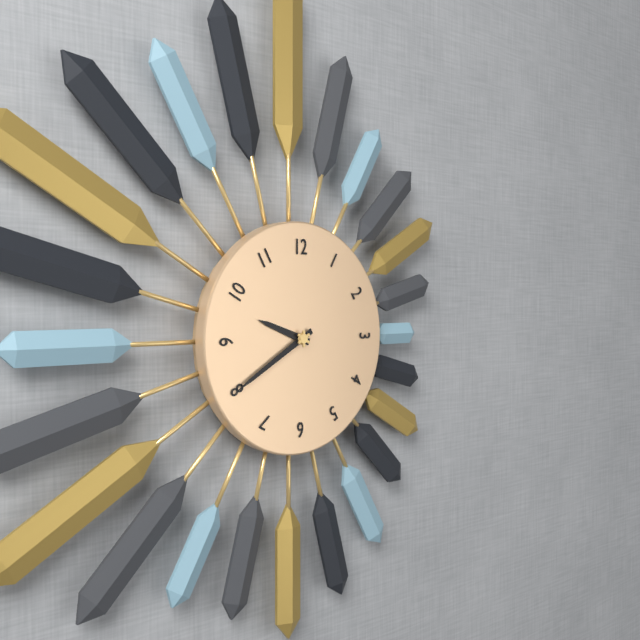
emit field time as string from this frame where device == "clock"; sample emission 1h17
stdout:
9h40
